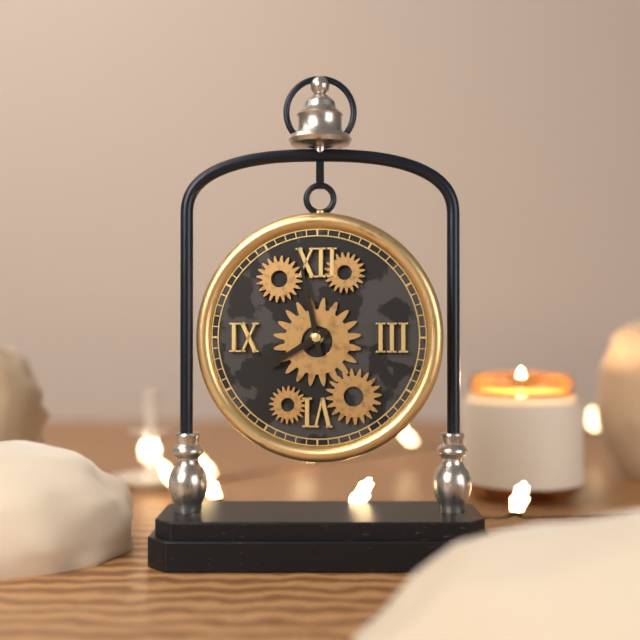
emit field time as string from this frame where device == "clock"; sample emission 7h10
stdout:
7h58
